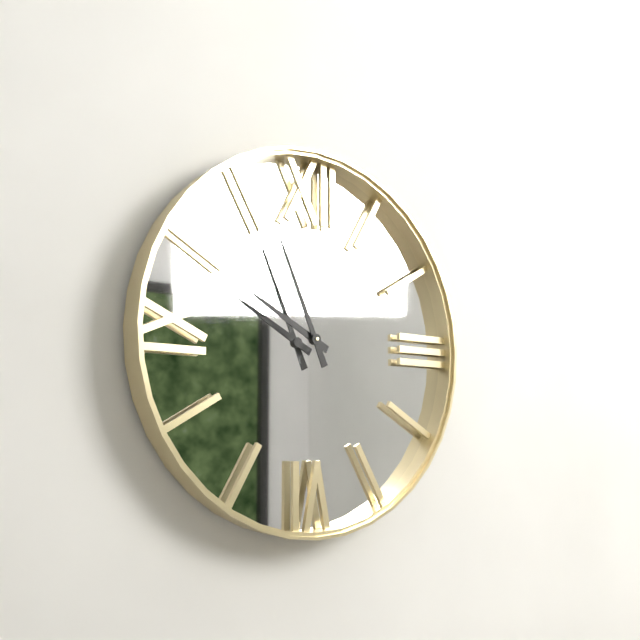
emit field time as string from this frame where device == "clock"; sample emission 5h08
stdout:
9h56
